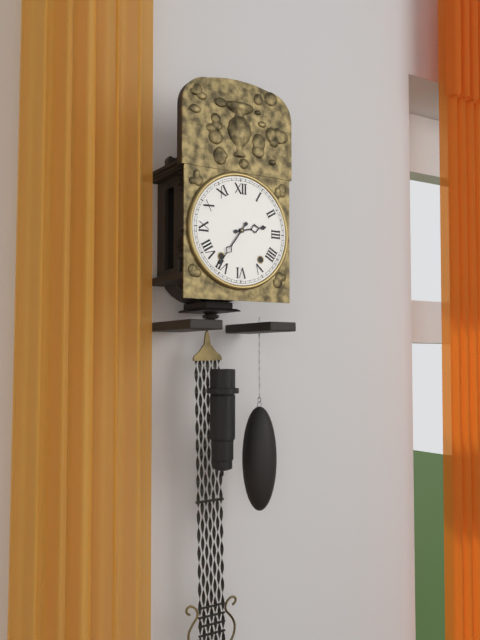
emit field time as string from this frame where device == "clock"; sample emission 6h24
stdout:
2h36
